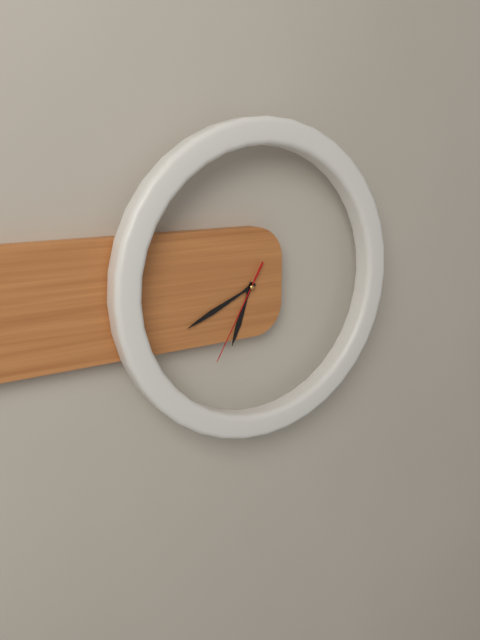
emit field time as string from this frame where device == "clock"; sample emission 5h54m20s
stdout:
6h41m35s
